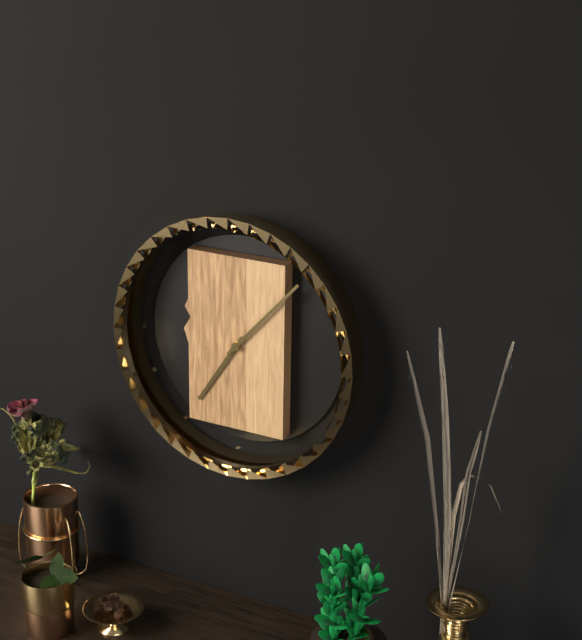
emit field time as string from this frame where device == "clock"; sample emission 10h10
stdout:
7h07
